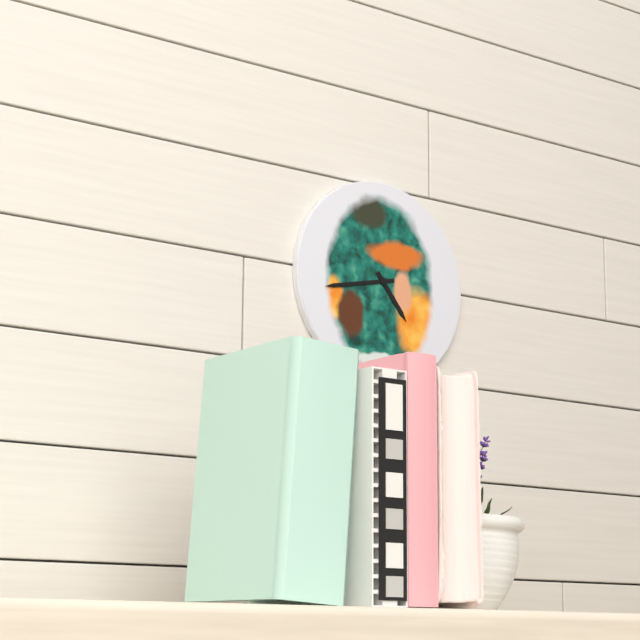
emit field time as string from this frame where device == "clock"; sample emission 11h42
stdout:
4h43
